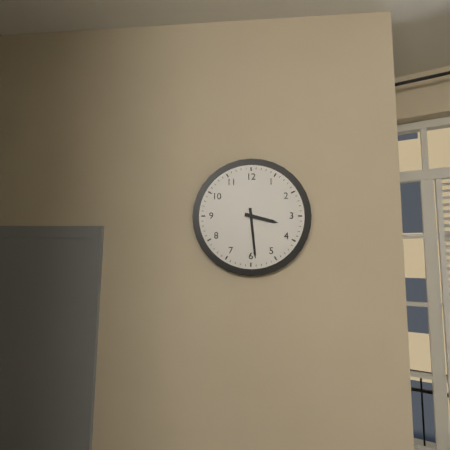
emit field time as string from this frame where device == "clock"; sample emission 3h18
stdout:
3h29
